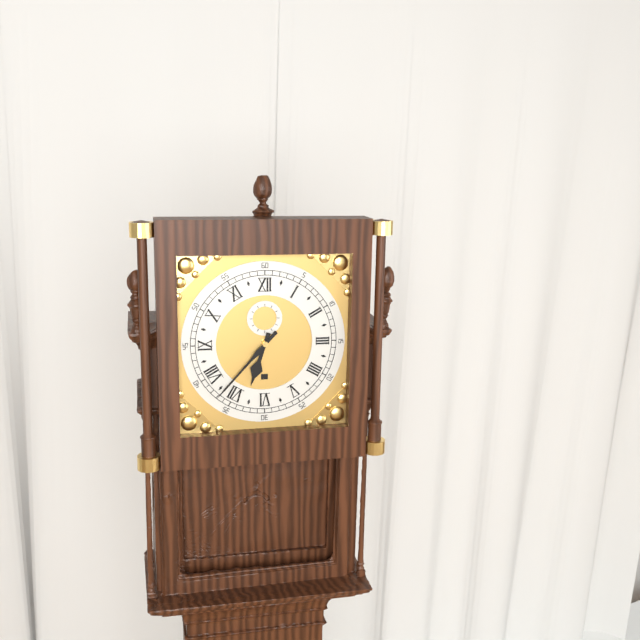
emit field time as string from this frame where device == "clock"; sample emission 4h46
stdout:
6h37
